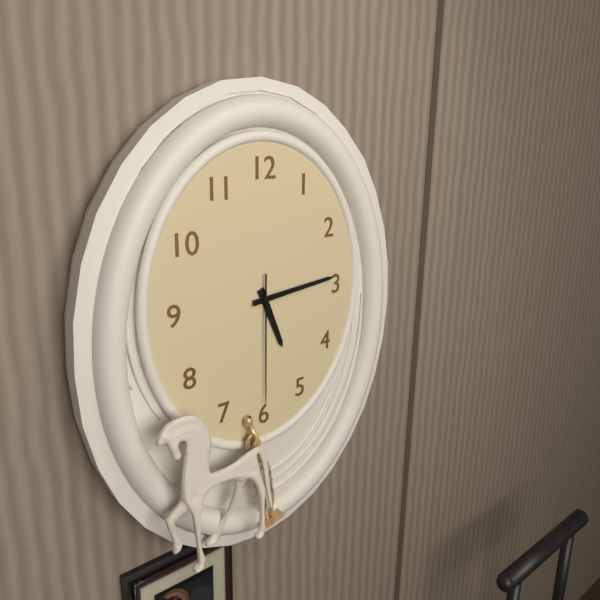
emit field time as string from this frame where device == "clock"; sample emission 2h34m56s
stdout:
5h14m30s
